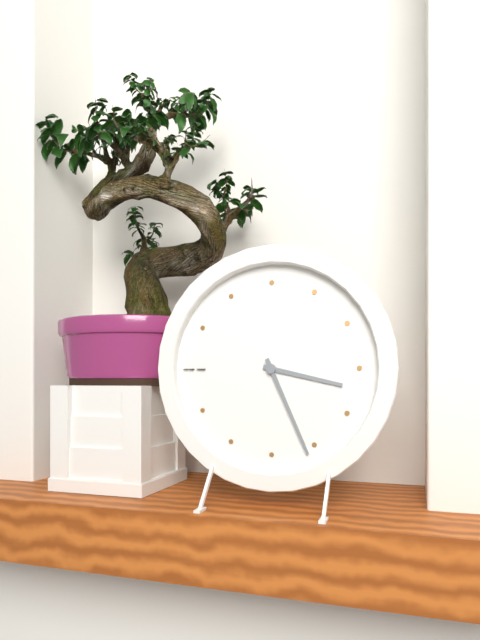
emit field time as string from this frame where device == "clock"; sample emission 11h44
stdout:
3h26
